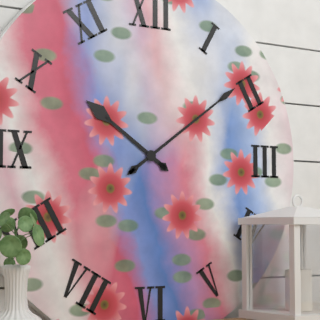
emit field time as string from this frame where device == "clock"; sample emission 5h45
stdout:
10h09
